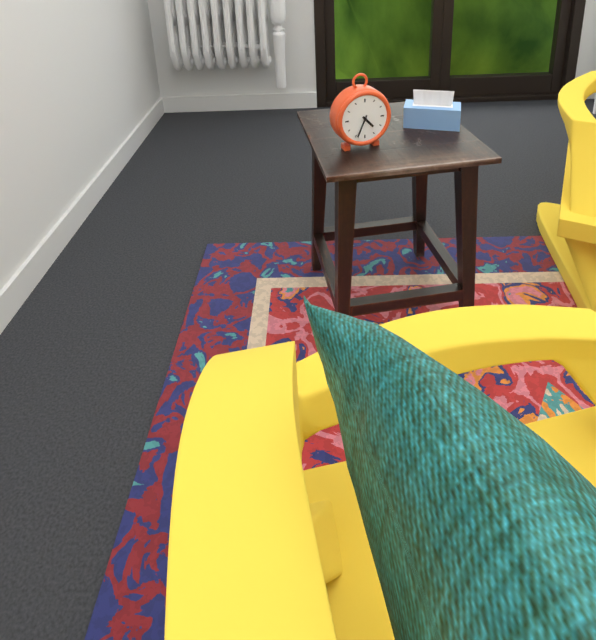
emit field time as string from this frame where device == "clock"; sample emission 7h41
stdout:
4h34
